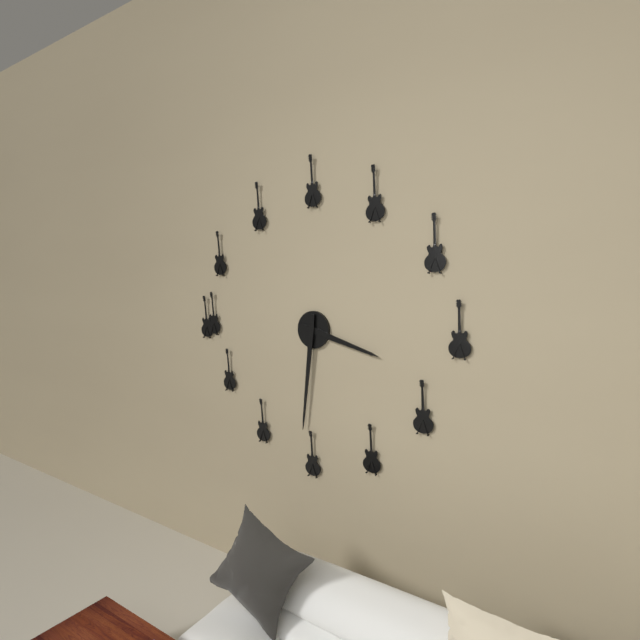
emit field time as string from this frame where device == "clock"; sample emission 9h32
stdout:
3h31
